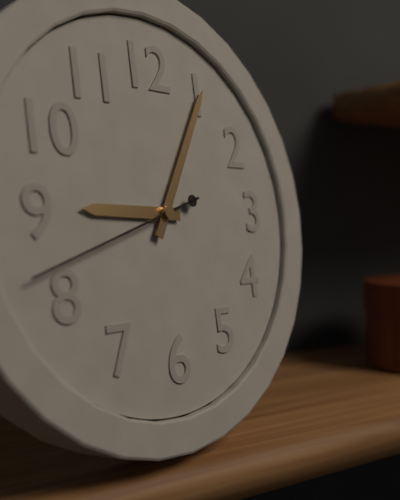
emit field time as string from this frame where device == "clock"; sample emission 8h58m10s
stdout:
9h05m42s
